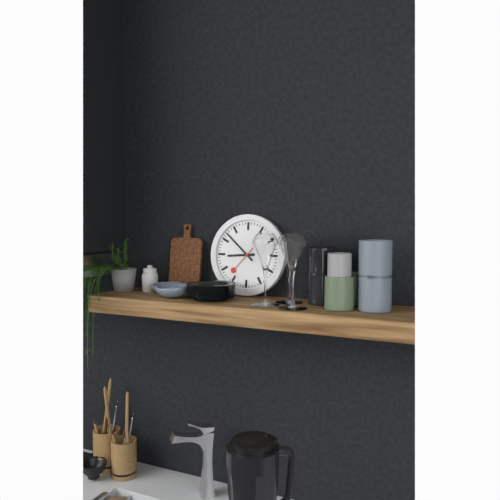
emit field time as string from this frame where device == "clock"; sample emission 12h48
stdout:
8h52
